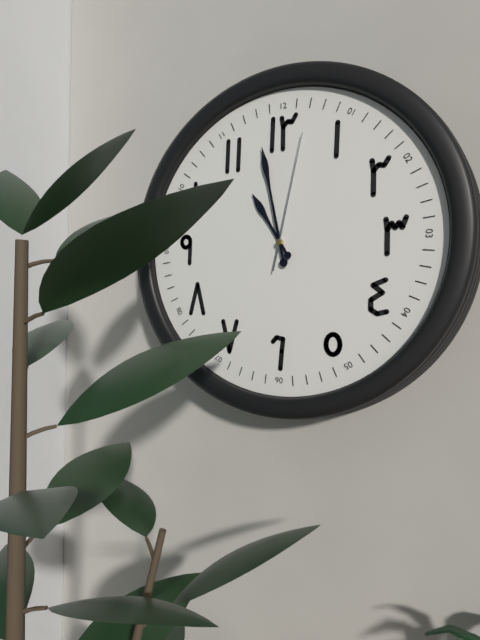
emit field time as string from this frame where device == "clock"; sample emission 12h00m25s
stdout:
10h58m02s
